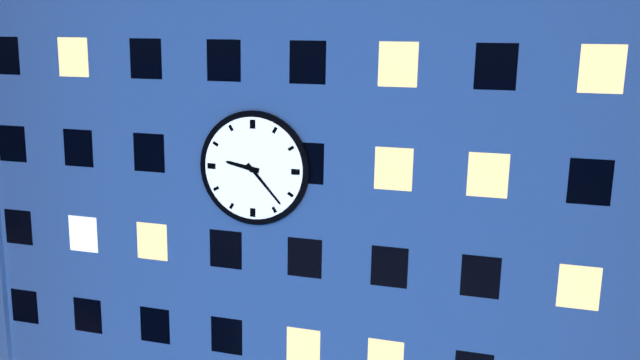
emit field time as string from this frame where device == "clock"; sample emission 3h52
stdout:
9h23
